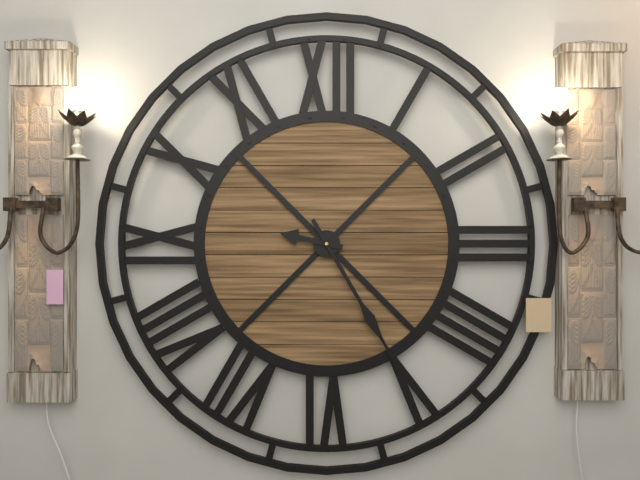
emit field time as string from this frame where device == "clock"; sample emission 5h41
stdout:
9h25
